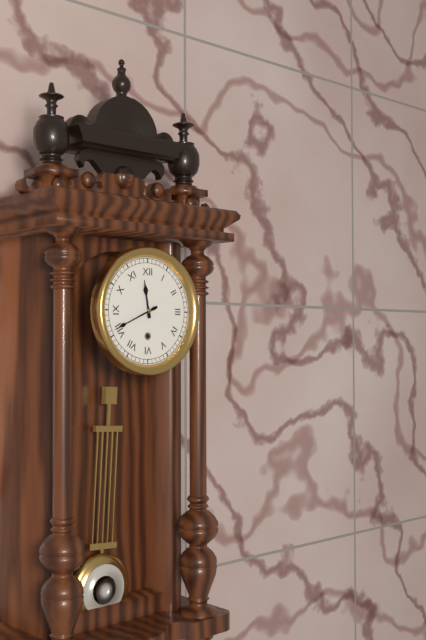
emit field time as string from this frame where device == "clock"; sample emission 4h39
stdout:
11h41
